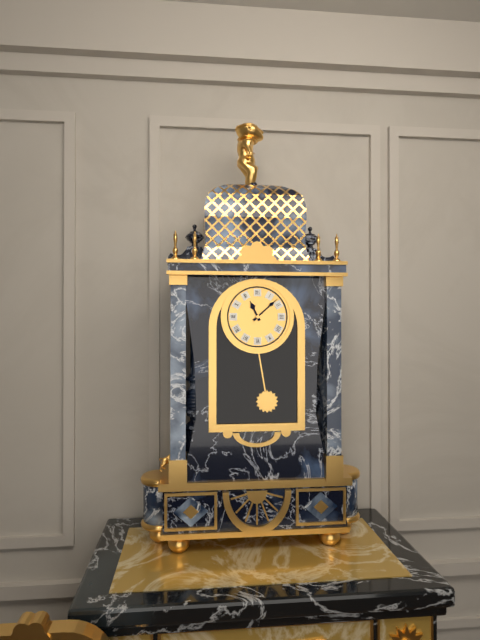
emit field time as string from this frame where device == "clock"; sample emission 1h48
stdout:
11h08
